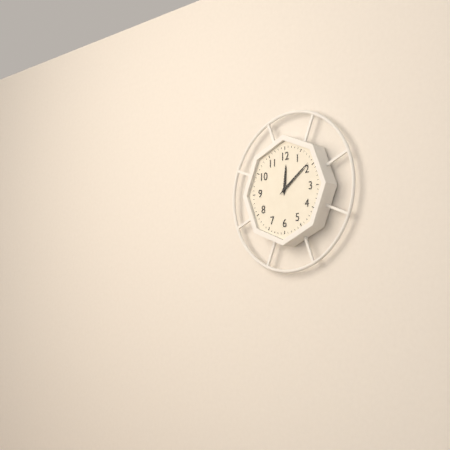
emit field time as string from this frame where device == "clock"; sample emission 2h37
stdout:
12h09
